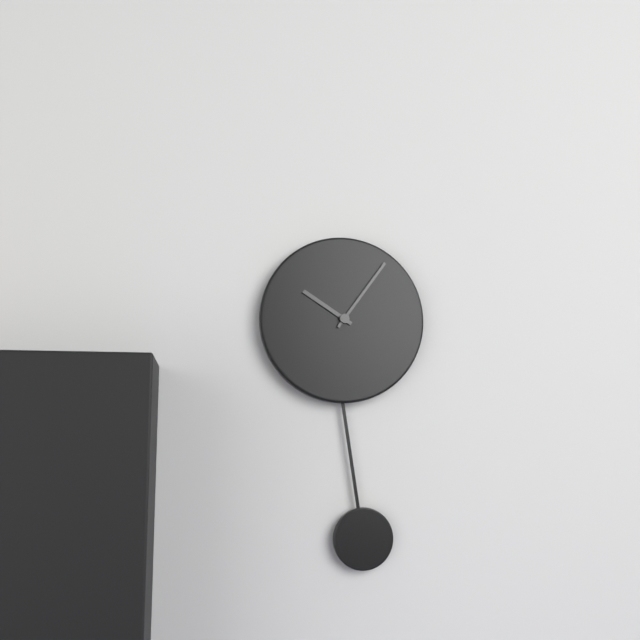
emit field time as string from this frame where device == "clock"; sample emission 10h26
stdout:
10h06
